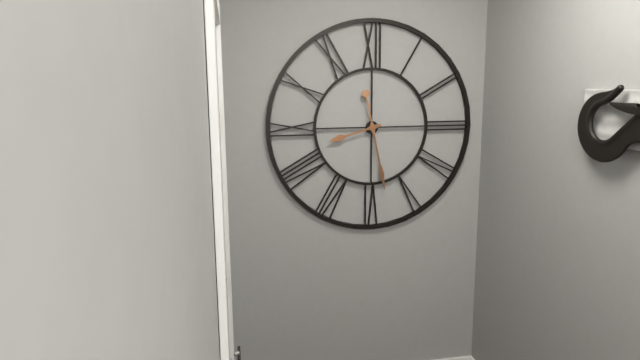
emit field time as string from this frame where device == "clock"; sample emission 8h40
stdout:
8h28
